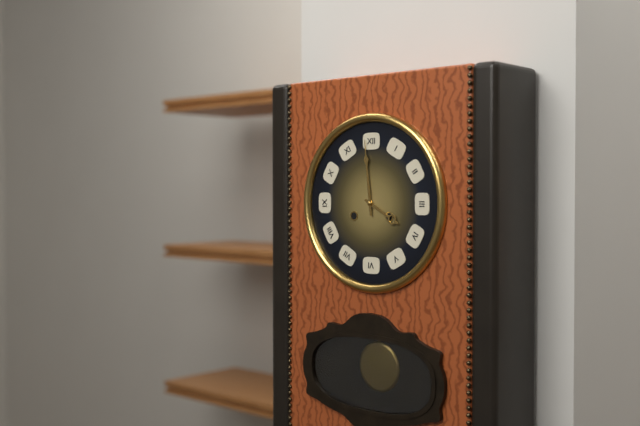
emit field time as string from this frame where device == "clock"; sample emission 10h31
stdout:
3h59
